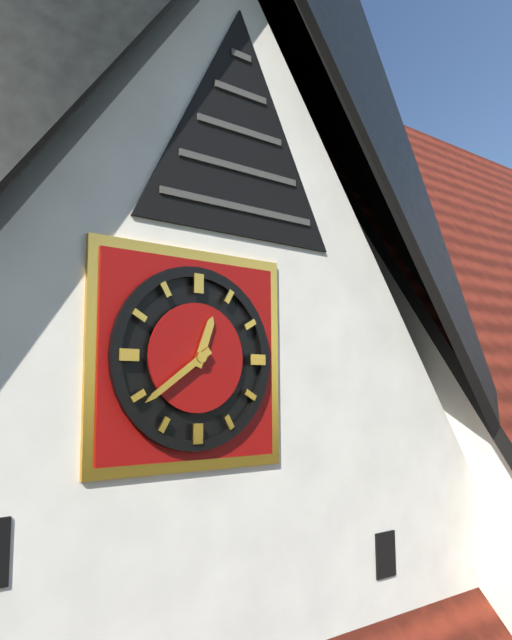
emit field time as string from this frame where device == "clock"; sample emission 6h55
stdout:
12h39
